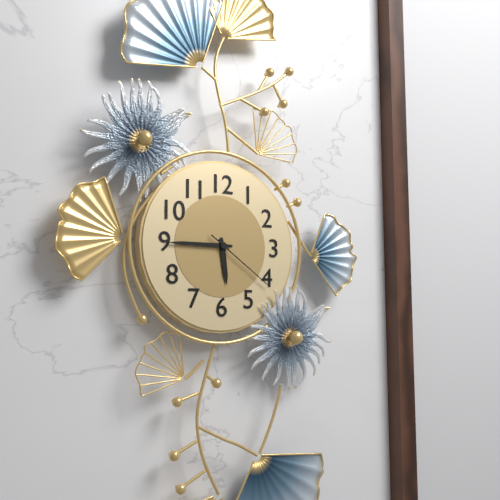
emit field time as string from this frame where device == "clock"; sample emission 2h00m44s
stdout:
5h45m21s
